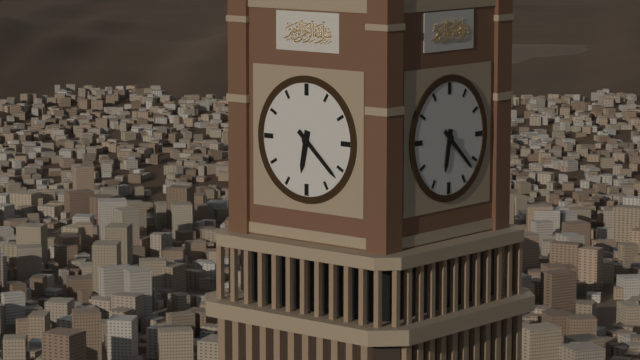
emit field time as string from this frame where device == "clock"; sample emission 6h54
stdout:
6h22
